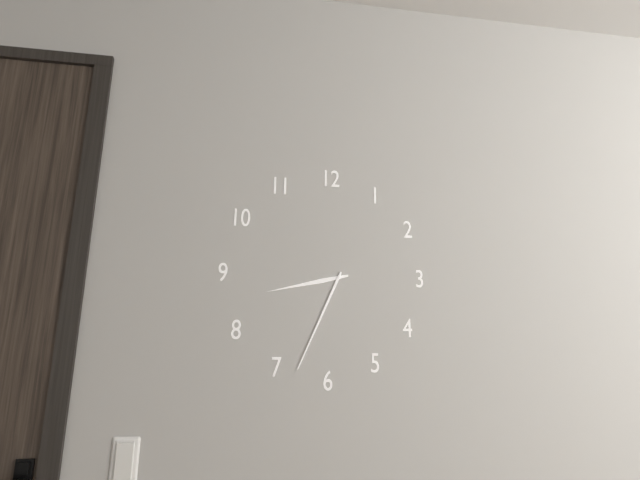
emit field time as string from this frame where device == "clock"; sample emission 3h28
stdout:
8h34
